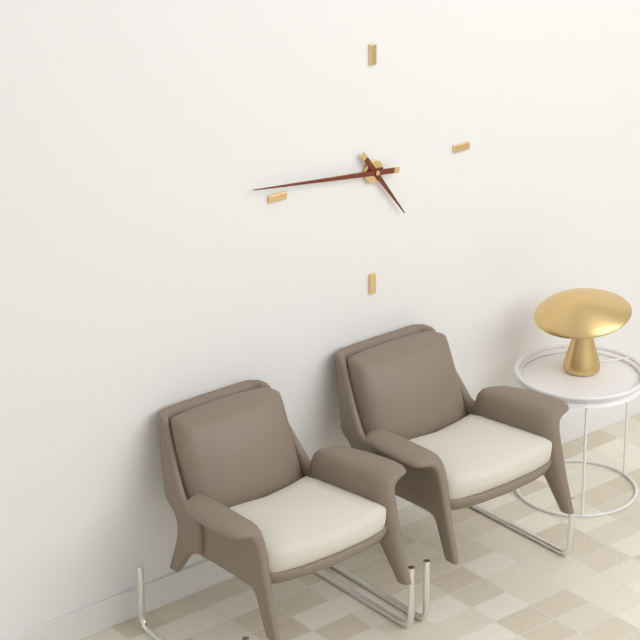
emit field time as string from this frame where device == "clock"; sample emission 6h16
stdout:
4h46
